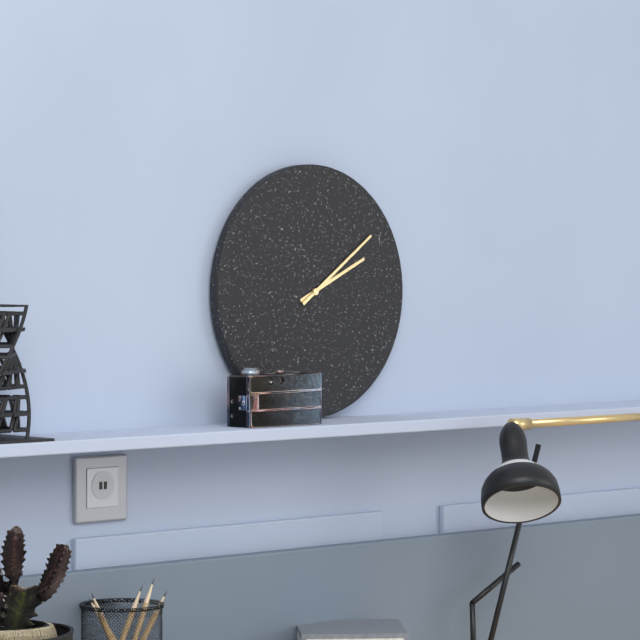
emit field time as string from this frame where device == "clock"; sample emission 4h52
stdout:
2h09
